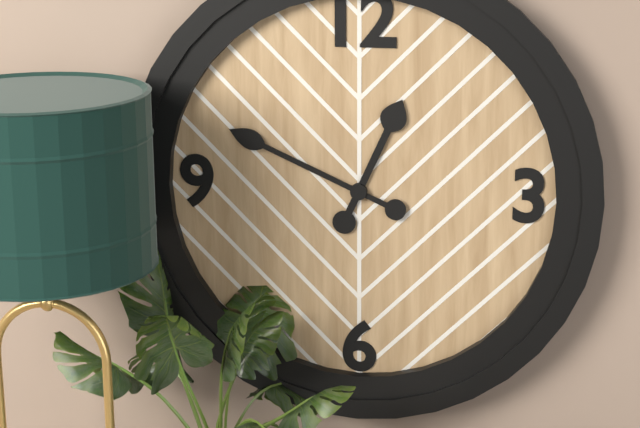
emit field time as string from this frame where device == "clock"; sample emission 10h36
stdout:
12h49
